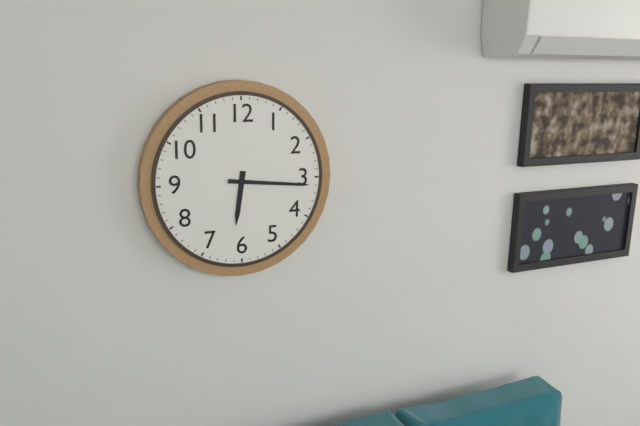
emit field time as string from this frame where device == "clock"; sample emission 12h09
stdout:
6h16
